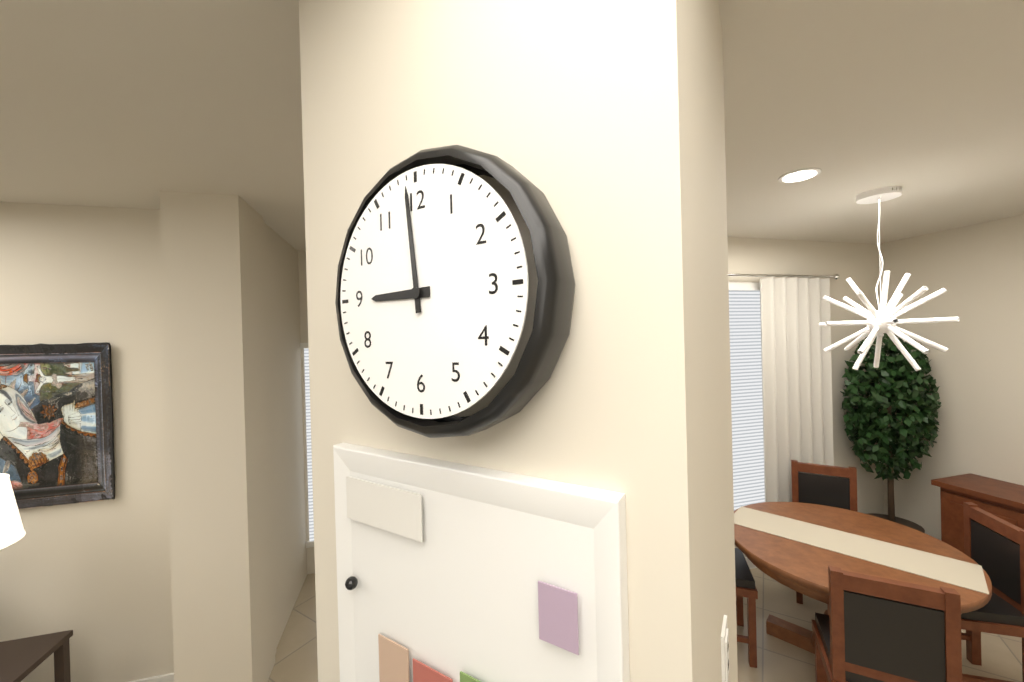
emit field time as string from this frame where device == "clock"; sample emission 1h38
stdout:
8h59
